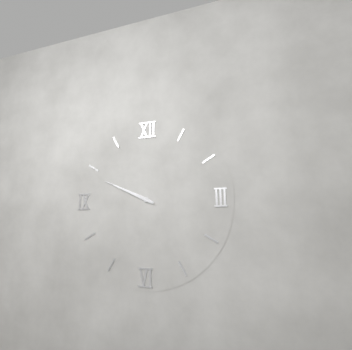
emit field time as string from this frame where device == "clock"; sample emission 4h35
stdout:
9h49
